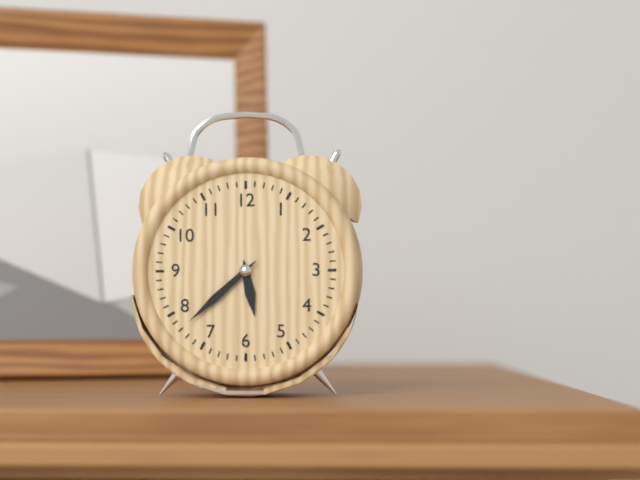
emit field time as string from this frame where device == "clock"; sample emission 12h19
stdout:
5h38
